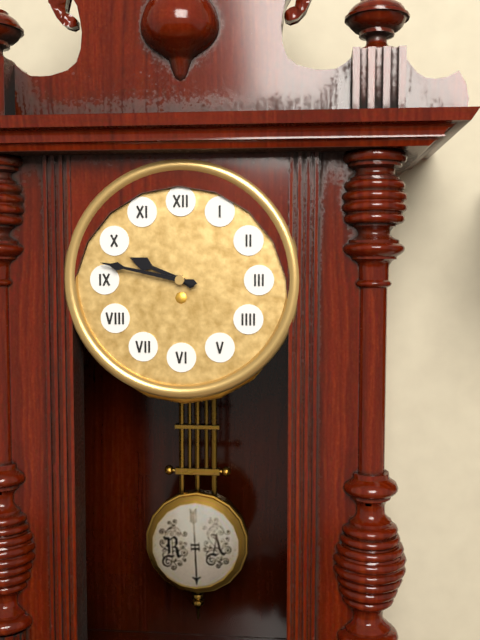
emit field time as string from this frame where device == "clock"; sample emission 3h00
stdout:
9h47
